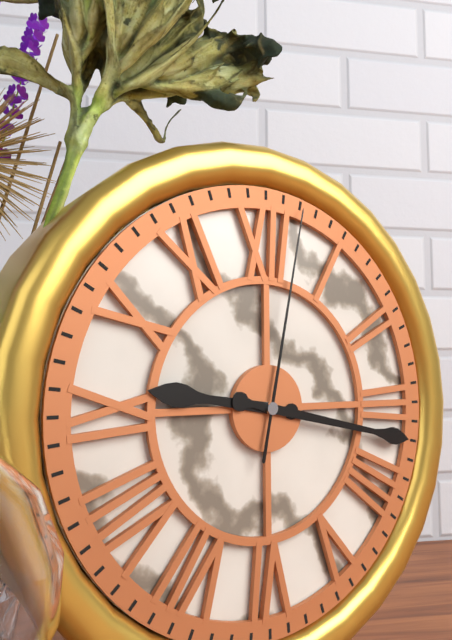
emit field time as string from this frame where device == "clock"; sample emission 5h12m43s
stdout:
9h17m02s
